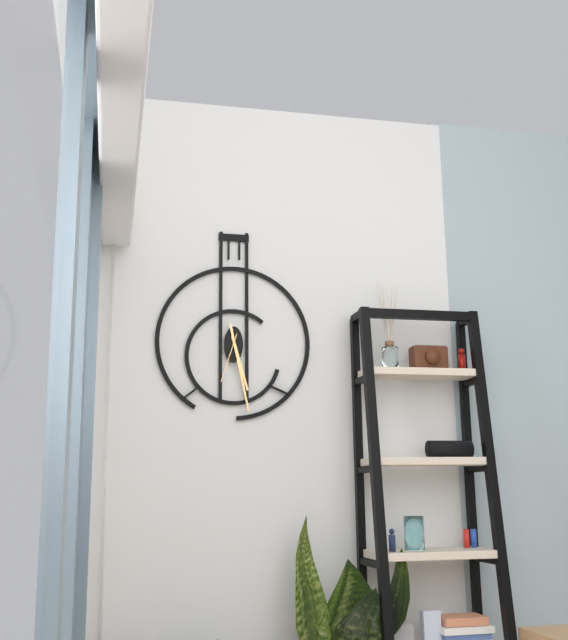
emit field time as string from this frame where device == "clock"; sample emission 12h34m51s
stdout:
5h28m33s
